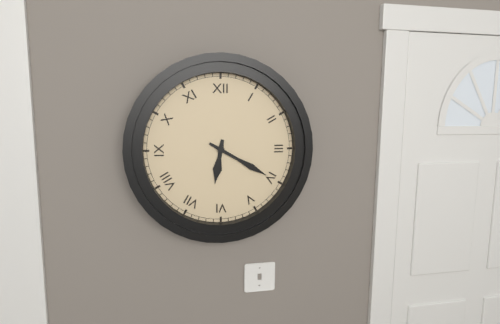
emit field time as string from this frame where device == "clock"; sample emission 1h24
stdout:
6h20
